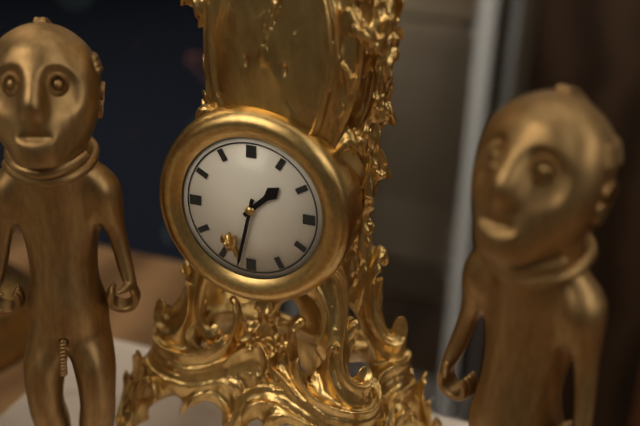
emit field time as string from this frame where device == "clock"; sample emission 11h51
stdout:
1h32
